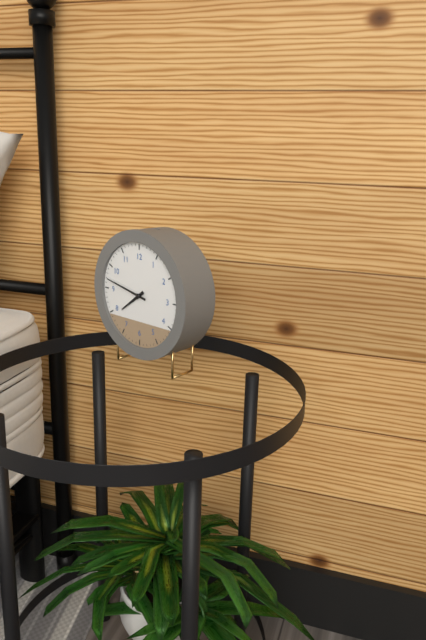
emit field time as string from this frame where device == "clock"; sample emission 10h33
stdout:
7h47
